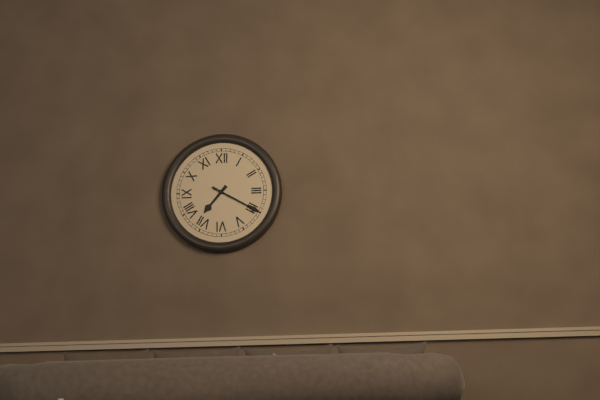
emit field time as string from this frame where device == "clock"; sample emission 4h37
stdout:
7h20
